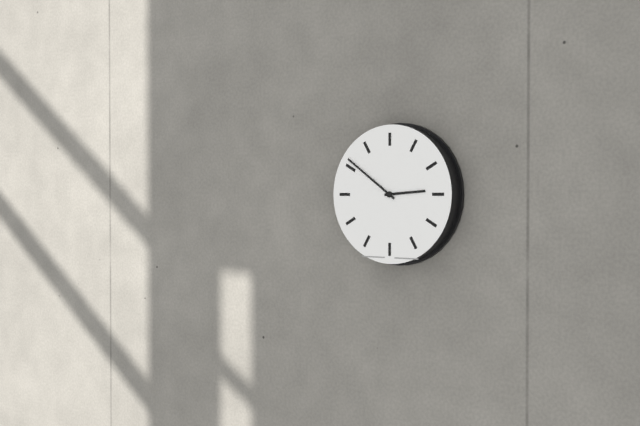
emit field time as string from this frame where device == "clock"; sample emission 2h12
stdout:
2h51
